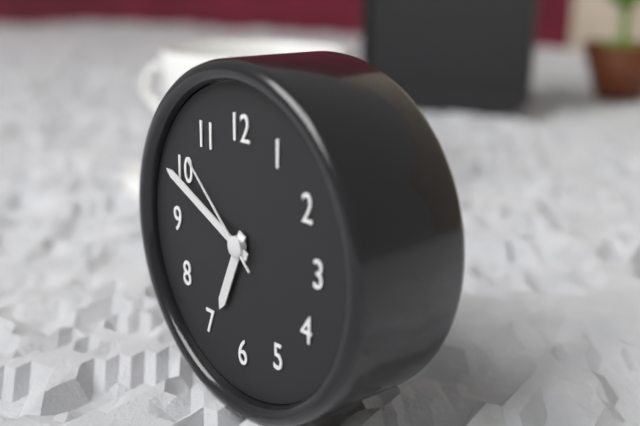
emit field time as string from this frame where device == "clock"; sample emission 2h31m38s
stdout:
6h49m52s
